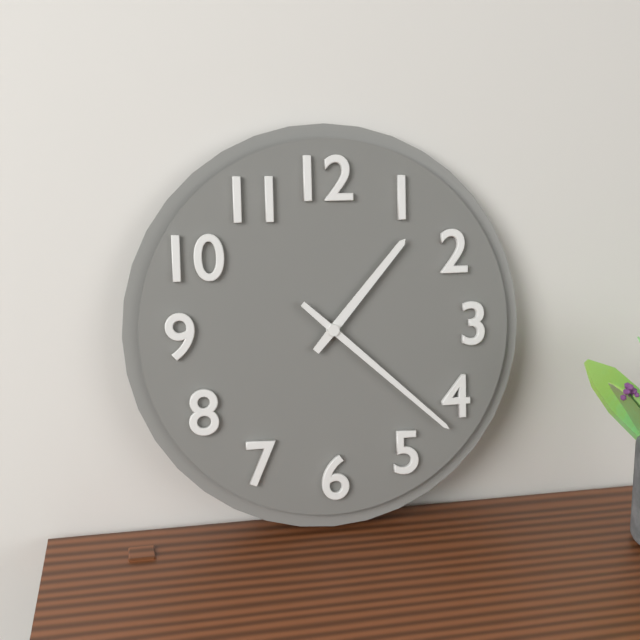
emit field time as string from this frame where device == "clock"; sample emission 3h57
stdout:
1h22
